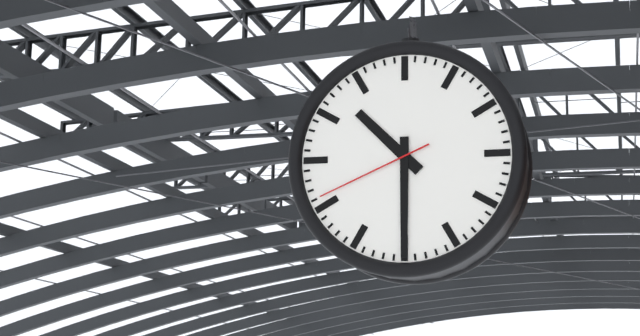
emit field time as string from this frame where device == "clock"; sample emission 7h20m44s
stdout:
10h30m41s
